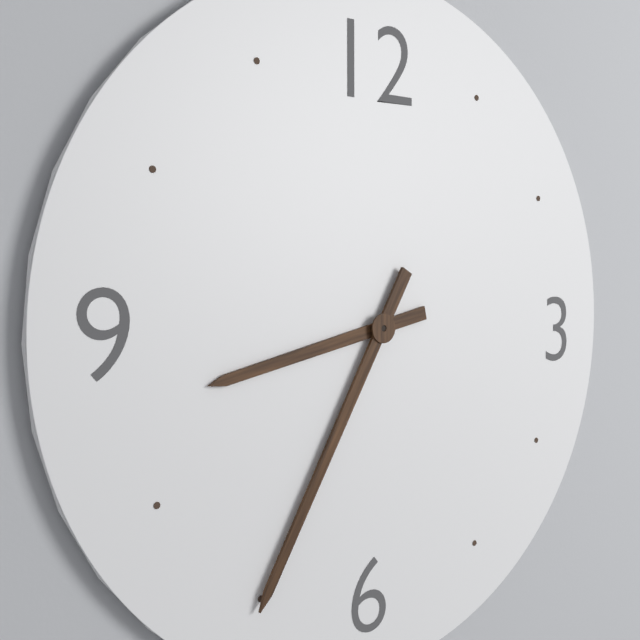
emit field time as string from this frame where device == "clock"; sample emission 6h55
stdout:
8h35
